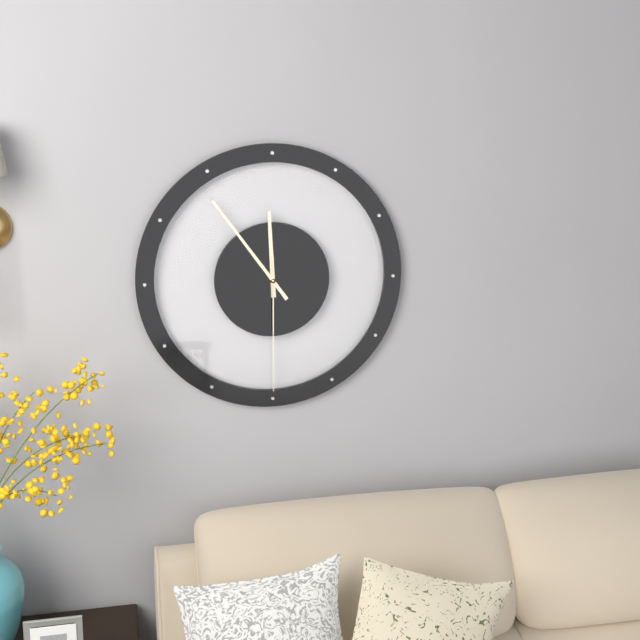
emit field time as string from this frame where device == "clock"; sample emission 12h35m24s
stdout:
11h54m30s
